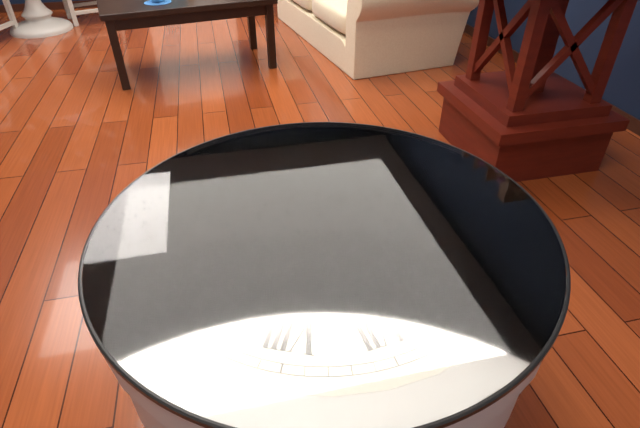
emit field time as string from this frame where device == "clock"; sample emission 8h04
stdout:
9h13
